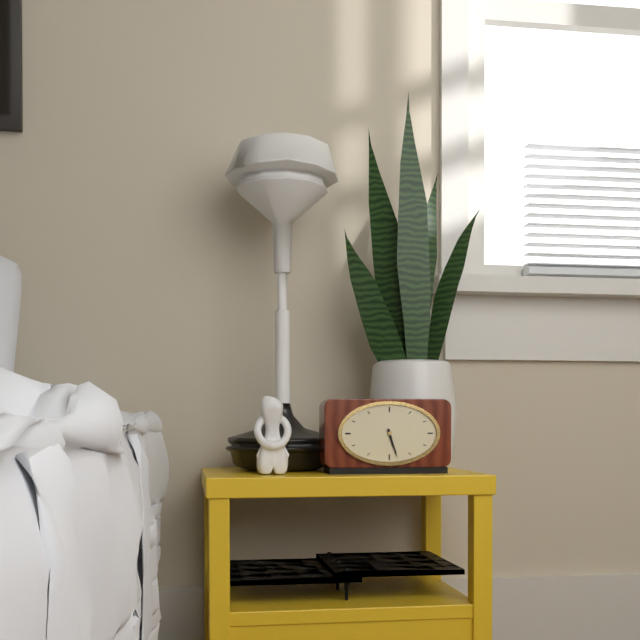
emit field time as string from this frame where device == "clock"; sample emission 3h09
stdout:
5h27
